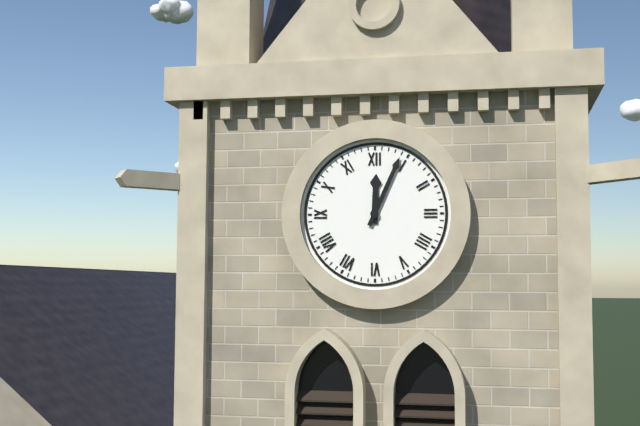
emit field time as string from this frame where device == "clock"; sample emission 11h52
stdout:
12h04
